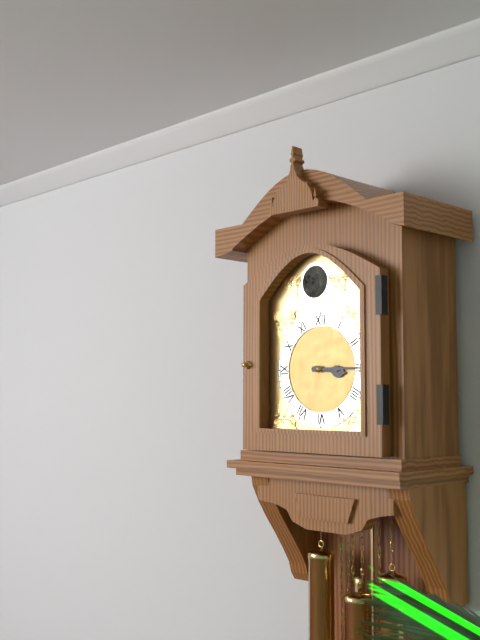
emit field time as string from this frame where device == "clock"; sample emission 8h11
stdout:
3h15
